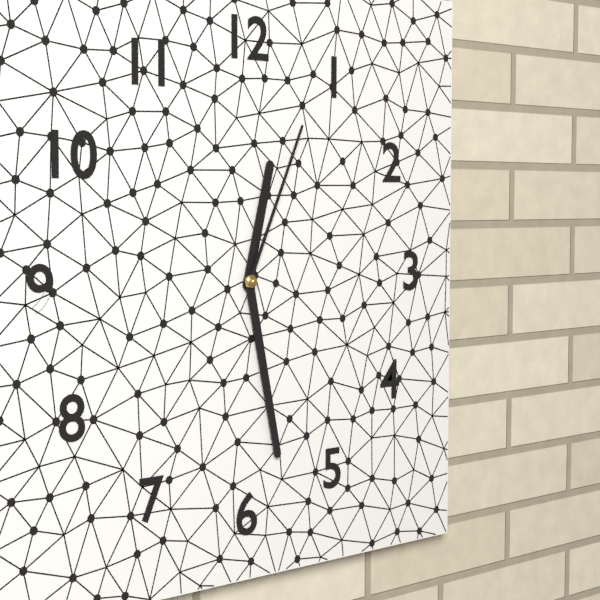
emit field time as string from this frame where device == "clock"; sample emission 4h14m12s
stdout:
12h28m04s
